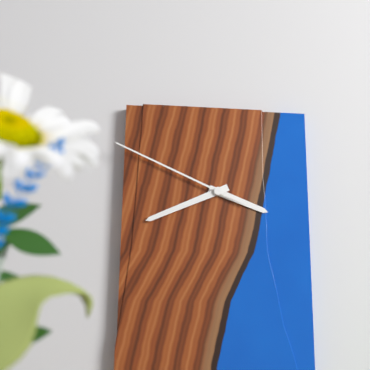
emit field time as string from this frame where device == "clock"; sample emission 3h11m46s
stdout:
3h41m49s
